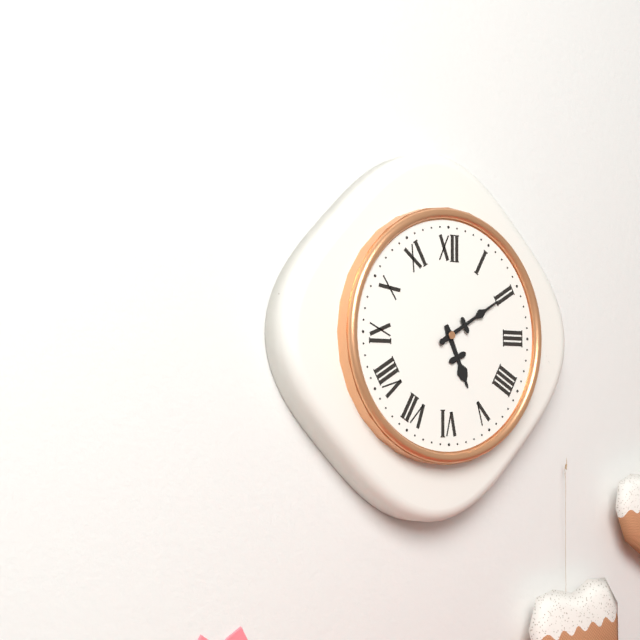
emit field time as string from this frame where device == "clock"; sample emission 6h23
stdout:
5h10
